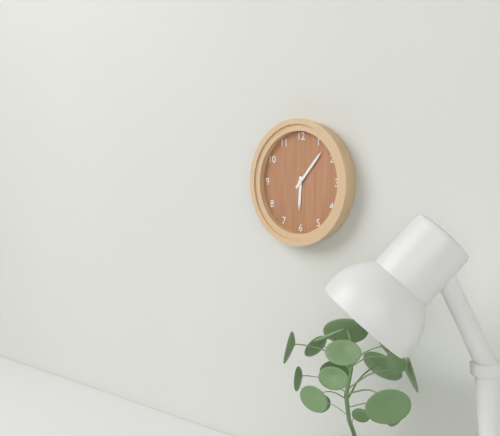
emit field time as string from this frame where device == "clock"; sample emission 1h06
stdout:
6h07
